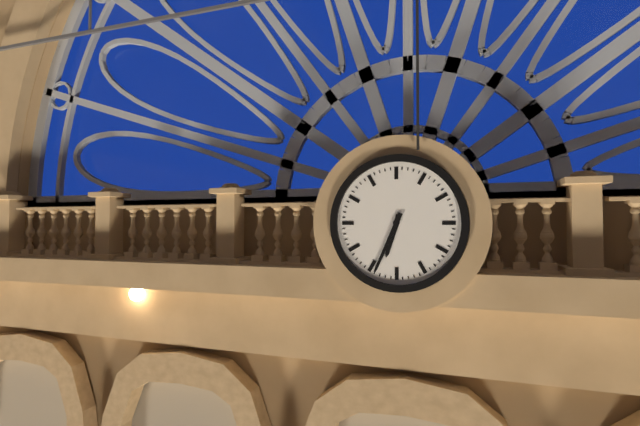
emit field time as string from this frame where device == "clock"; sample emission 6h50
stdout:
6h34
